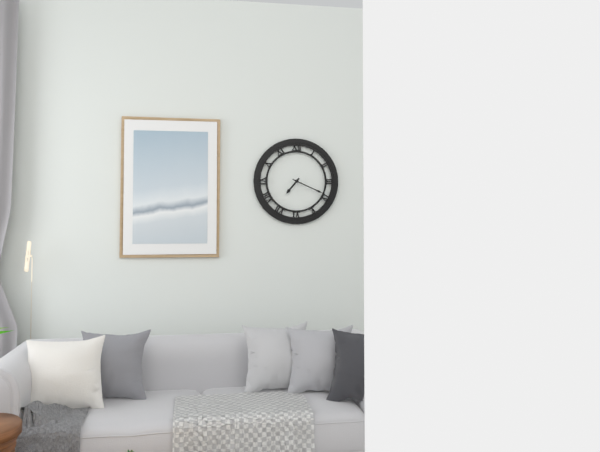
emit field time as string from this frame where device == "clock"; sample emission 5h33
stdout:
7h19
